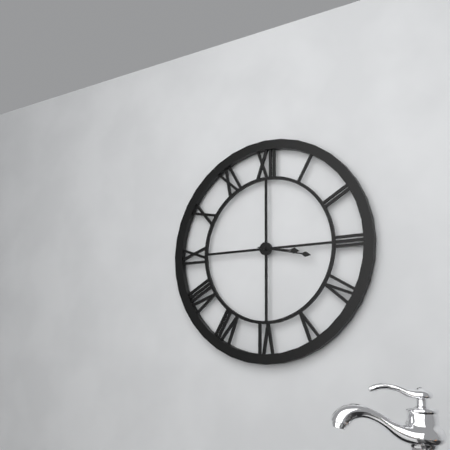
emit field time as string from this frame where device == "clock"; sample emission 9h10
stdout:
3h17
